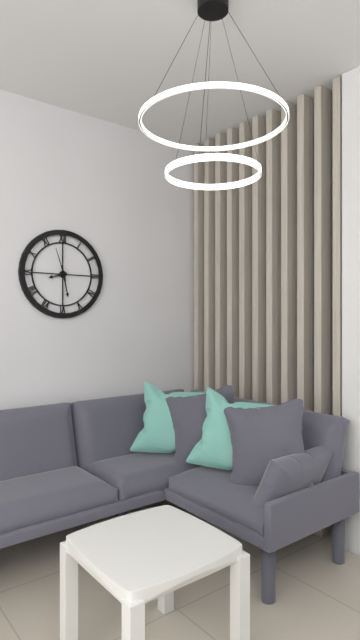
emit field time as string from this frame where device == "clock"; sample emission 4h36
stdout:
8h28
